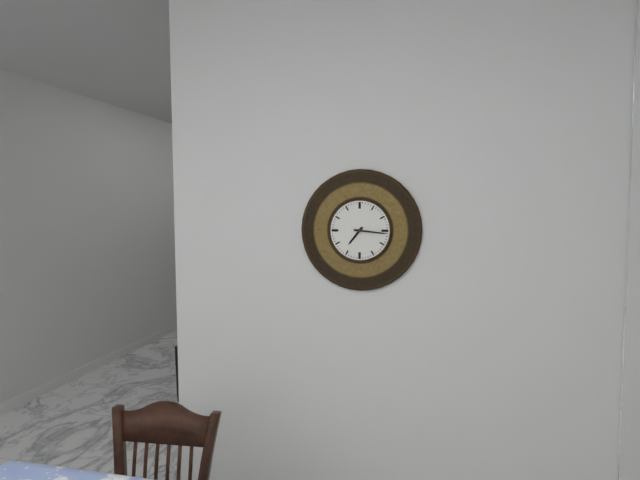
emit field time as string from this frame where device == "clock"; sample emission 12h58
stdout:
7h16
